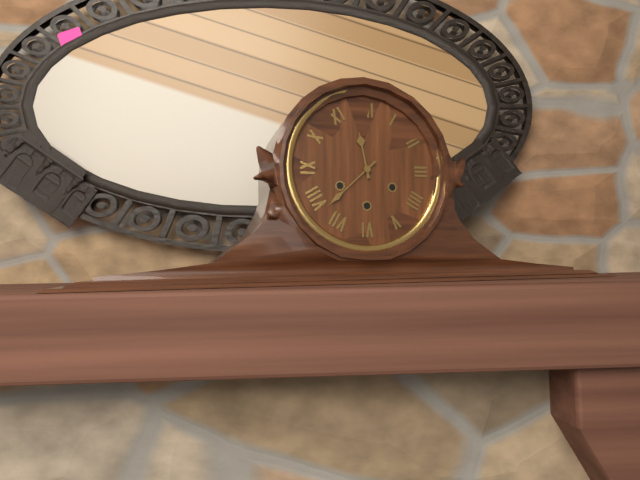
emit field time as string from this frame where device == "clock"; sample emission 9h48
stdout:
11h38
